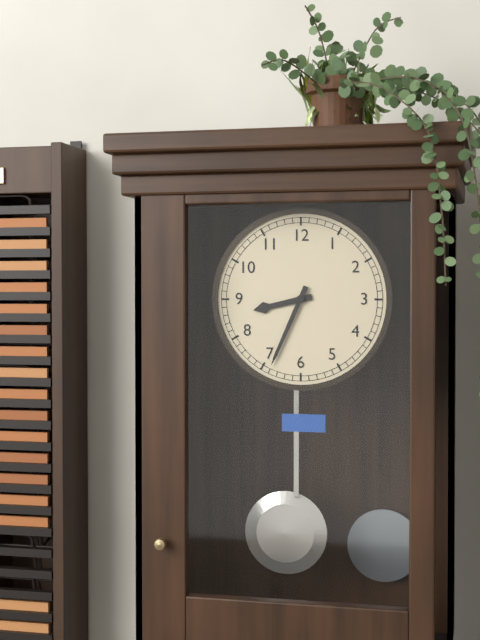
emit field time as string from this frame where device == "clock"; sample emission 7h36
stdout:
8h34
